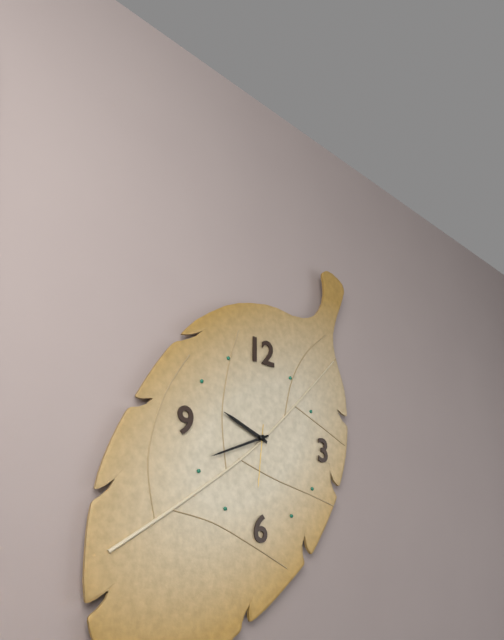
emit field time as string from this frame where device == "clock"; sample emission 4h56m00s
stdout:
9h41m31s
